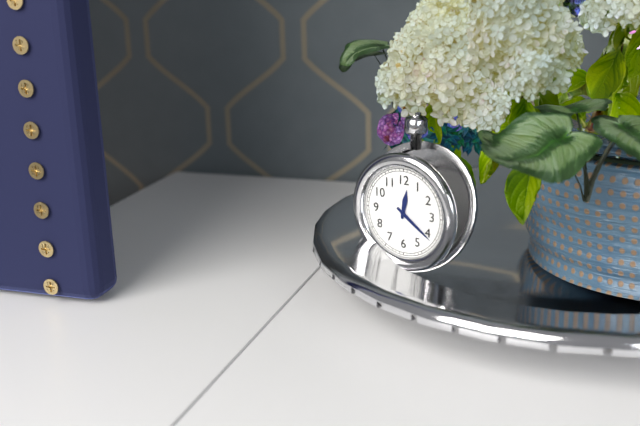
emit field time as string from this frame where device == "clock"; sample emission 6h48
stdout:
12h21
